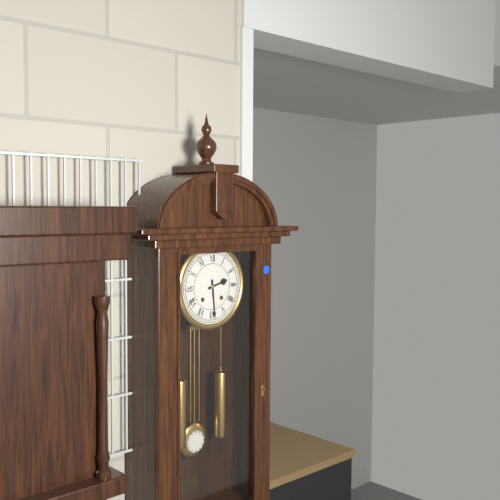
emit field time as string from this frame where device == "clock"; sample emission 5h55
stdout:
2h29
